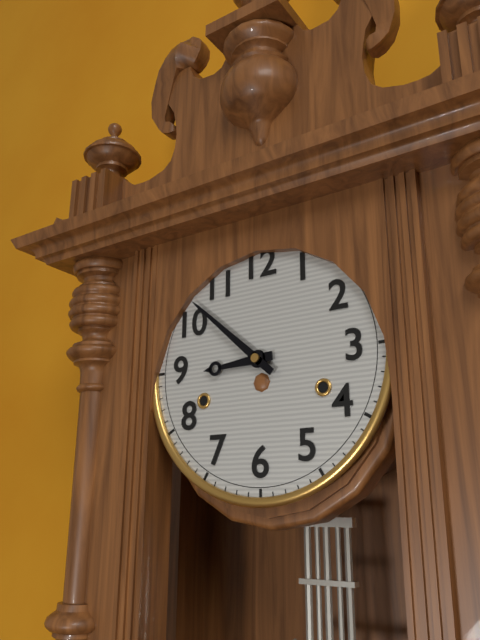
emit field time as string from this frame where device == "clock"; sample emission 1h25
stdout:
8h52
